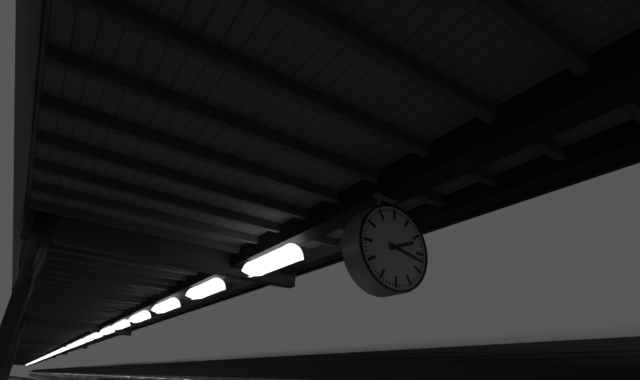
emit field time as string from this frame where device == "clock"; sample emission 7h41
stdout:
2h17
